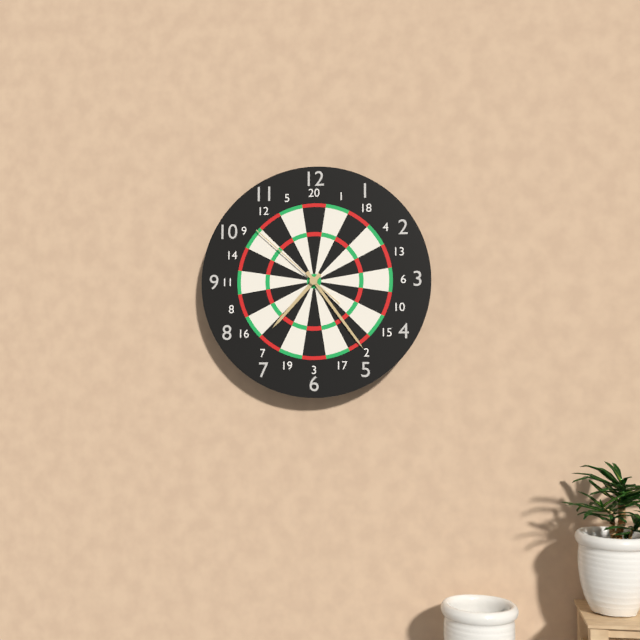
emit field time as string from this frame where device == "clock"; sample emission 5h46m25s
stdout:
7h24m52s
